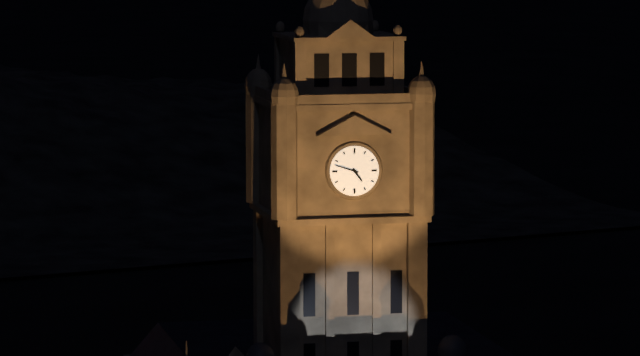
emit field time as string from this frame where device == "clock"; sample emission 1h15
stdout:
4h48
